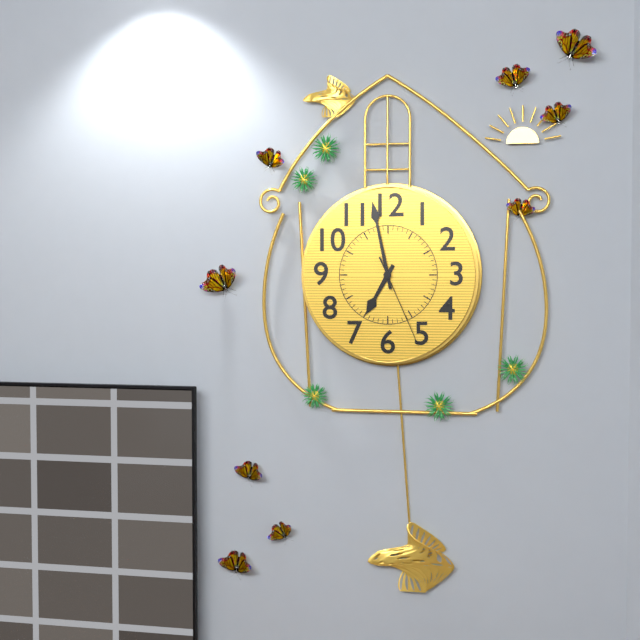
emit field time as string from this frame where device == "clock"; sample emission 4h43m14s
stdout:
6h58m26s
